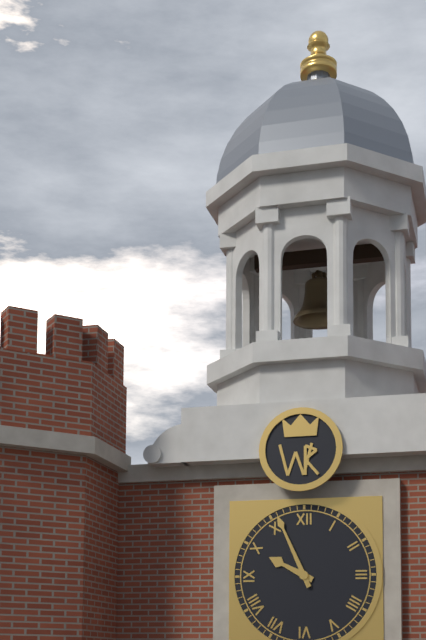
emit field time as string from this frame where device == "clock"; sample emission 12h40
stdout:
9h56
